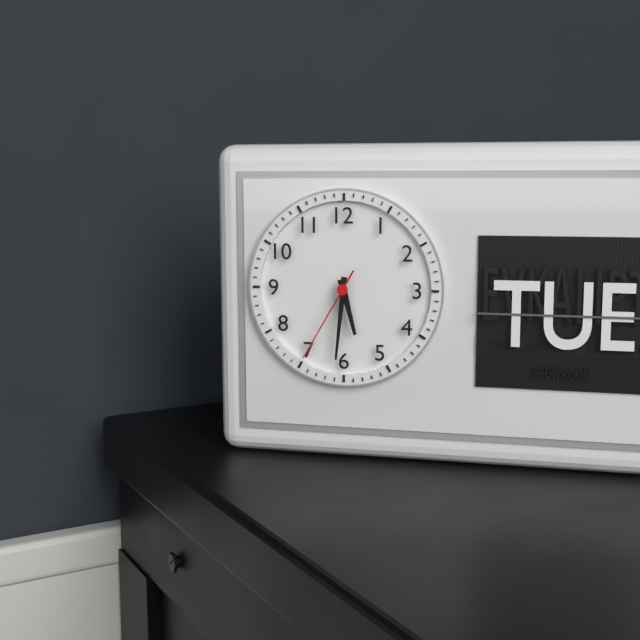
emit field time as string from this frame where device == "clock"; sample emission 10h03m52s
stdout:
5h31m35s
